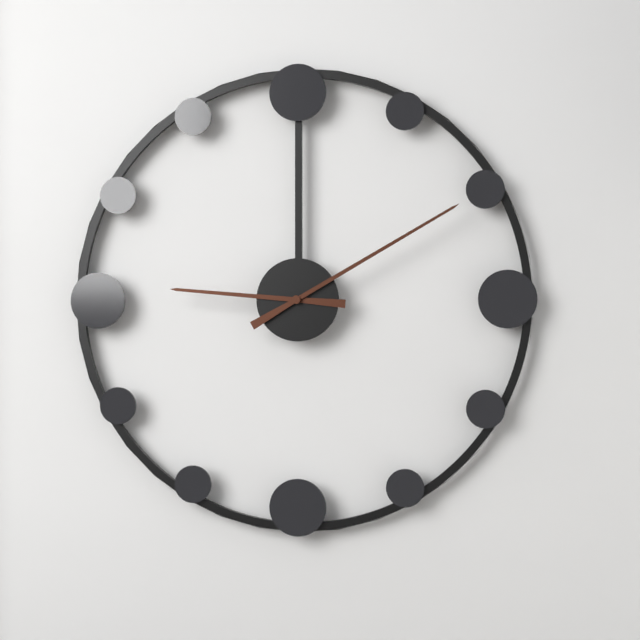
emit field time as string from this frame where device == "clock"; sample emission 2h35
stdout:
9h10
